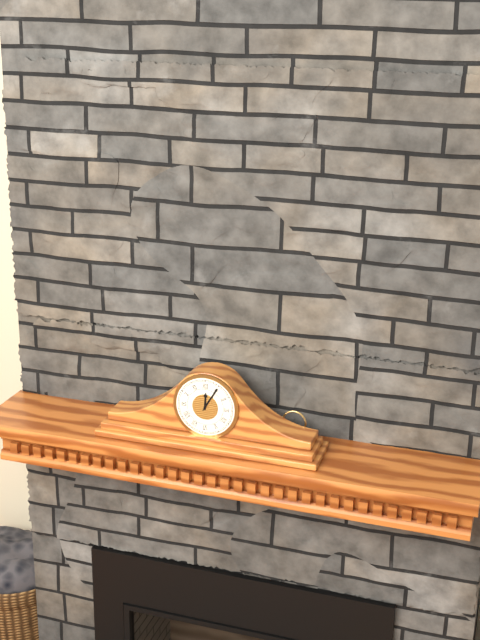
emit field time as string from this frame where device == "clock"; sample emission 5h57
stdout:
12h05
